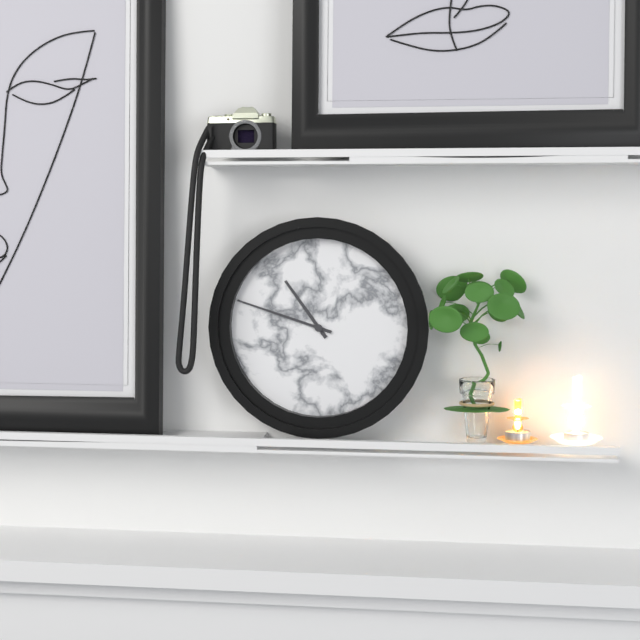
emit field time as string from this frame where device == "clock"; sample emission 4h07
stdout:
10h48
